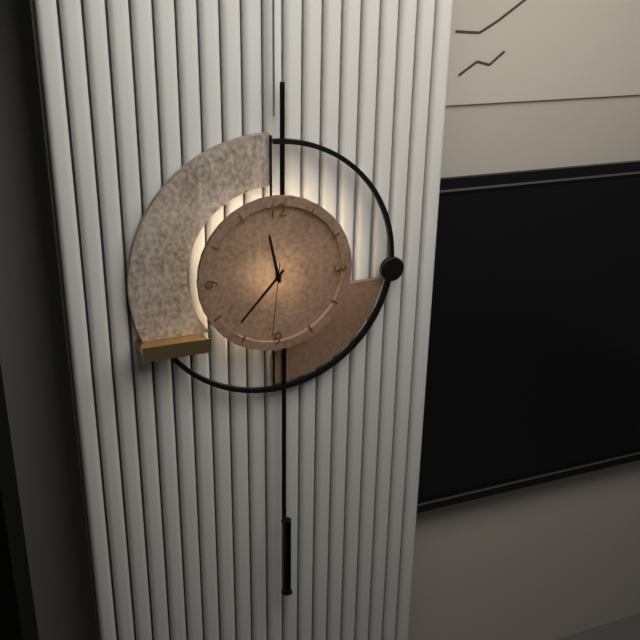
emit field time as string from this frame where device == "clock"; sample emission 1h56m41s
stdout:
11h37m31s
